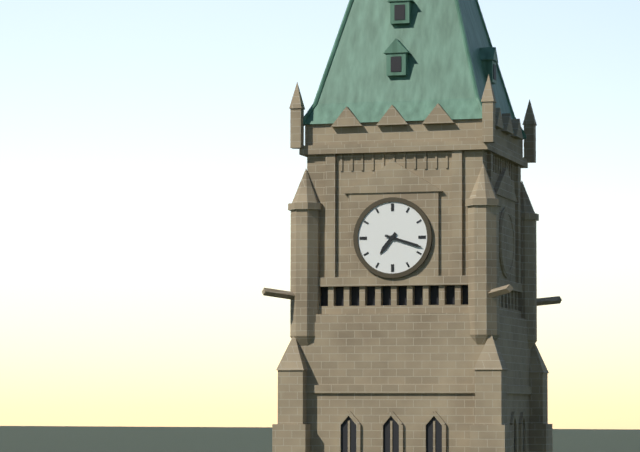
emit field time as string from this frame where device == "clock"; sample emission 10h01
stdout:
7h18
